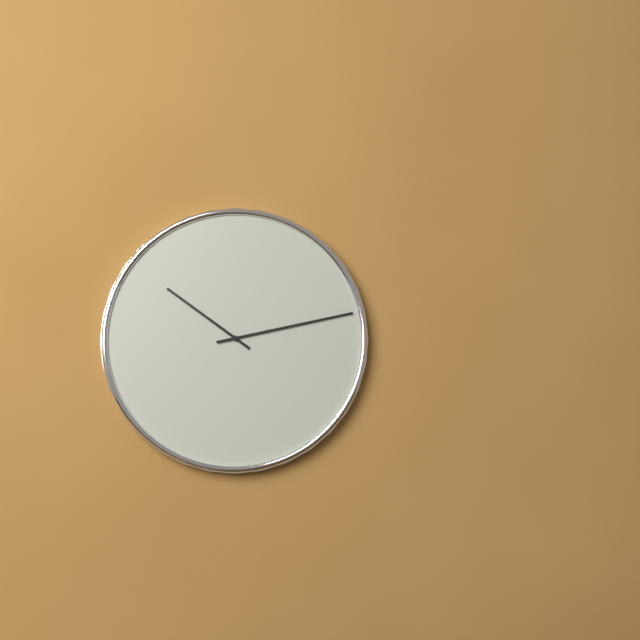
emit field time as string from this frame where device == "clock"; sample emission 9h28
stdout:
10h13
